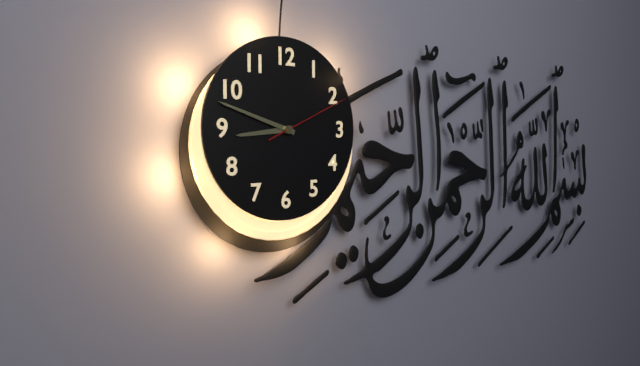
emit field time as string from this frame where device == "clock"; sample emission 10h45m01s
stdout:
8h48m11s
